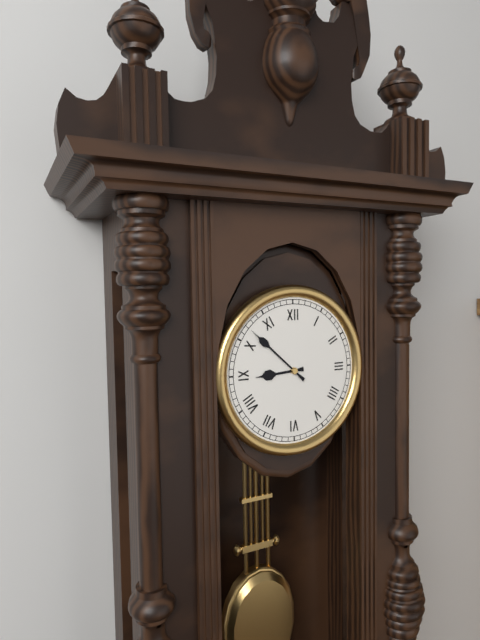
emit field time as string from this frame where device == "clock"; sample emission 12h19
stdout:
8h52
